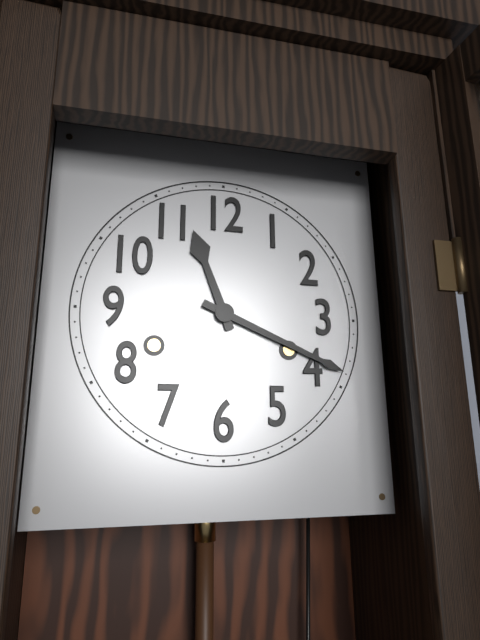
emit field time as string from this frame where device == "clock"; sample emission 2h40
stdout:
11h19
